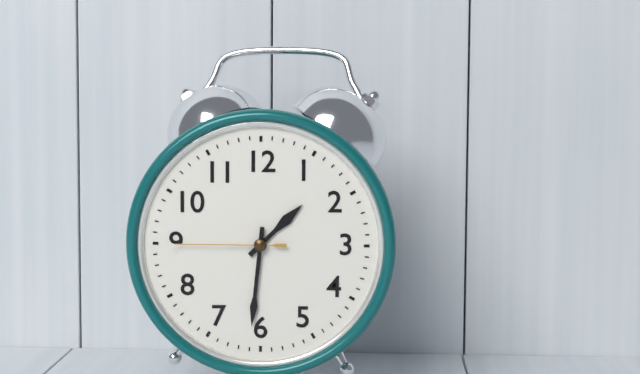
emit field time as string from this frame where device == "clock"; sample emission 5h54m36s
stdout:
1h31m45s
